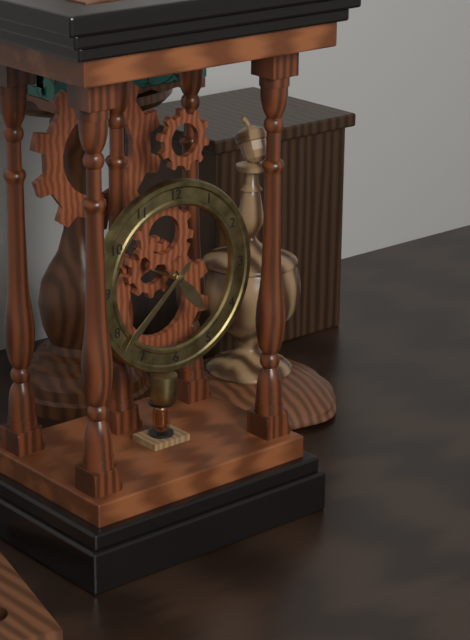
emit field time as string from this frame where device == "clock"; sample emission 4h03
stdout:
4h38
